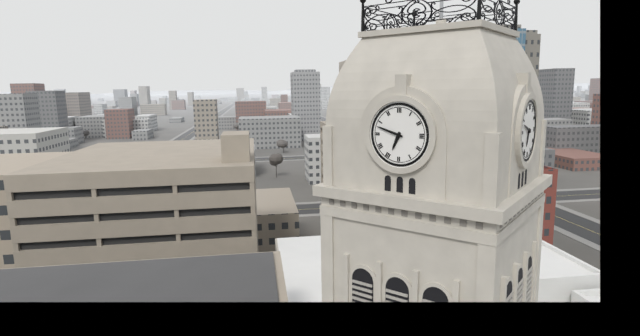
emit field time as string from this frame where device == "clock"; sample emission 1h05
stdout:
6h48
